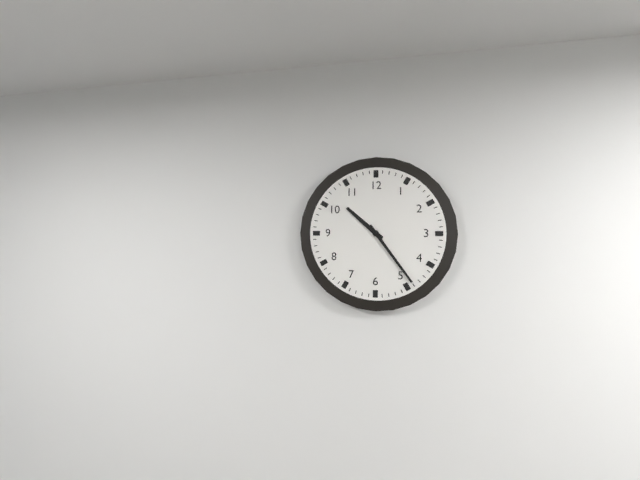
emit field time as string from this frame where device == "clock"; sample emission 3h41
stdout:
10h24
